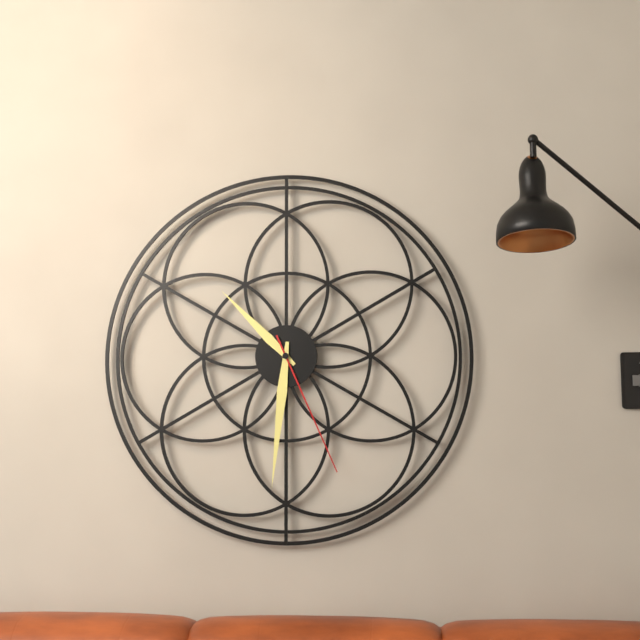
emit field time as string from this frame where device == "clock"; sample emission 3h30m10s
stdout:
10h31m26s
